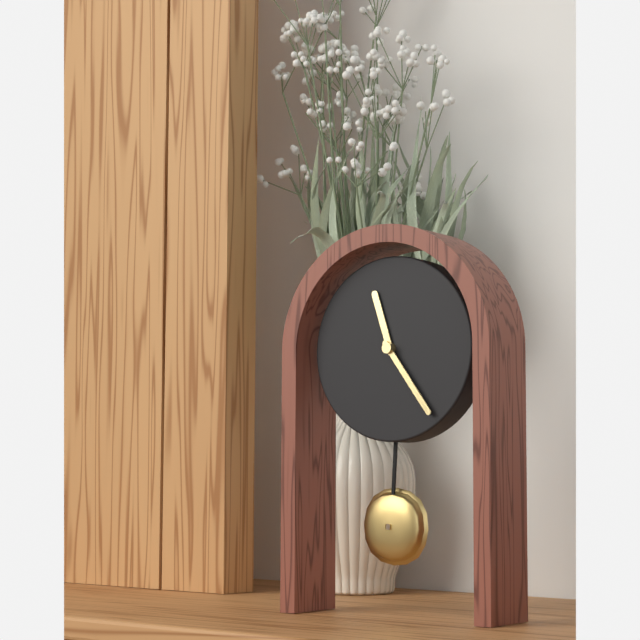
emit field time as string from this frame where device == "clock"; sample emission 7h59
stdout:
11h24
